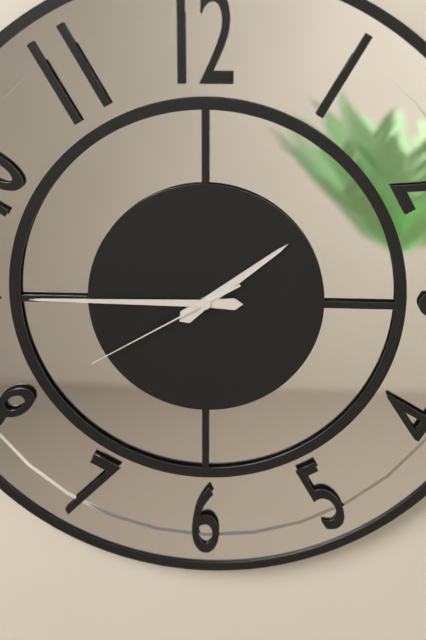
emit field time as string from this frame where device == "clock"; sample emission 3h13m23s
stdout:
1h45m40s
